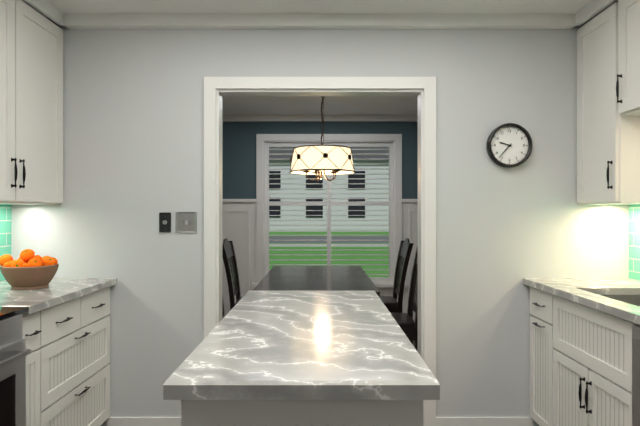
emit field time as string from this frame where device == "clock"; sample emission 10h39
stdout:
9h37
